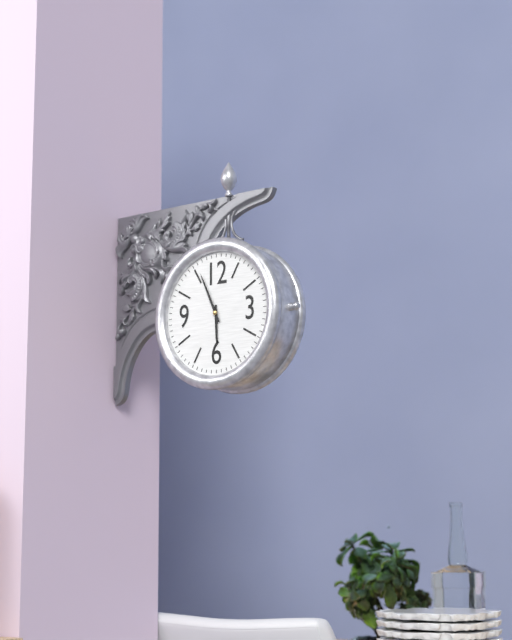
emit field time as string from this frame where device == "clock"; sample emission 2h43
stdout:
5h56
